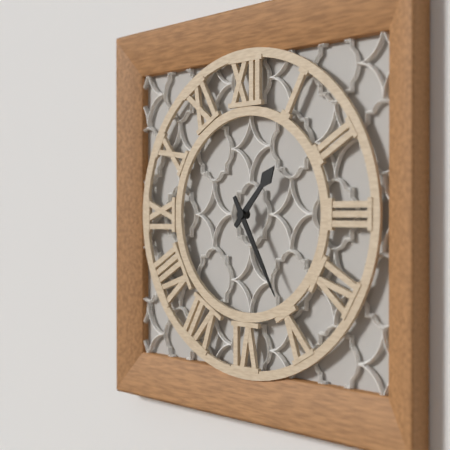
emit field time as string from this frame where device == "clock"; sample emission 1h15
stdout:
1h25
